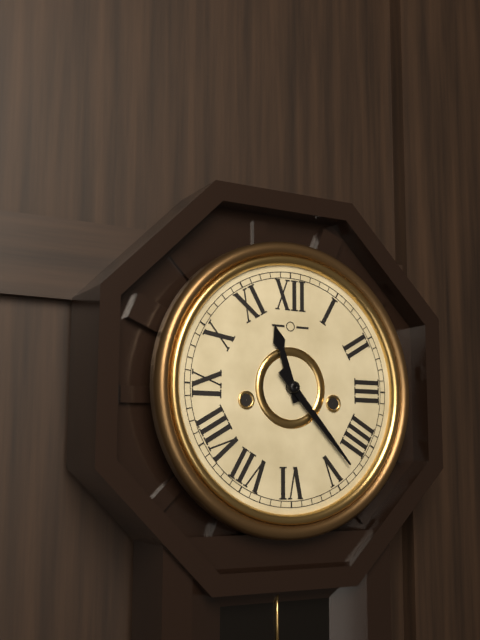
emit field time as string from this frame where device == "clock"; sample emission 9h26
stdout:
11h23
